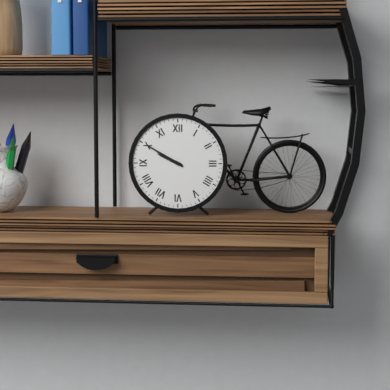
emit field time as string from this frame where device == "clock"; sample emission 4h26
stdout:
9h50
